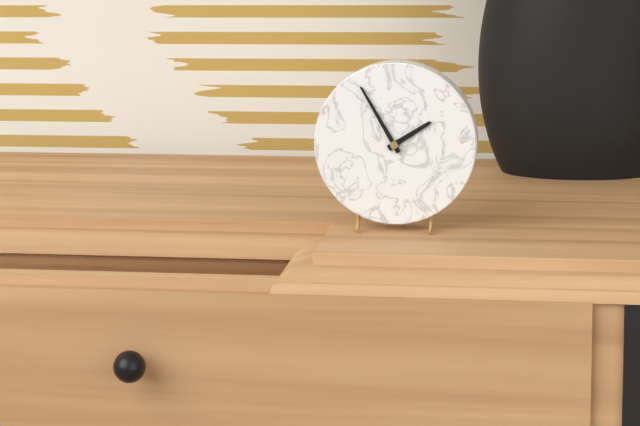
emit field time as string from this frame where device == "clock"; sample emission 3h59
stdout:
1h55
